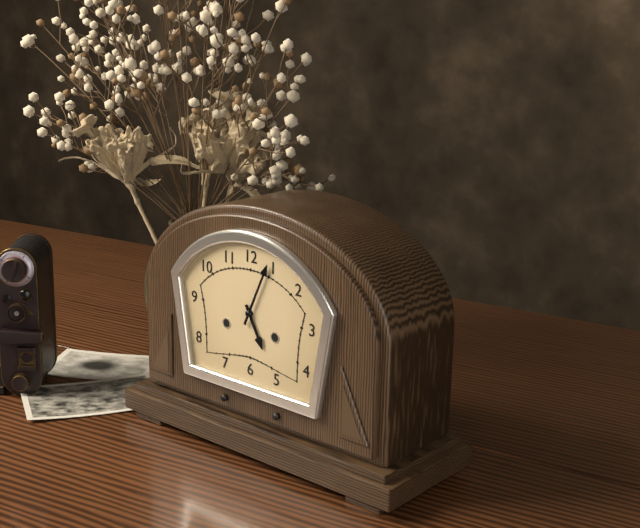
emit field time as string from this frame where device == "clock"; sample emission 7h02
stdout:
5h04
